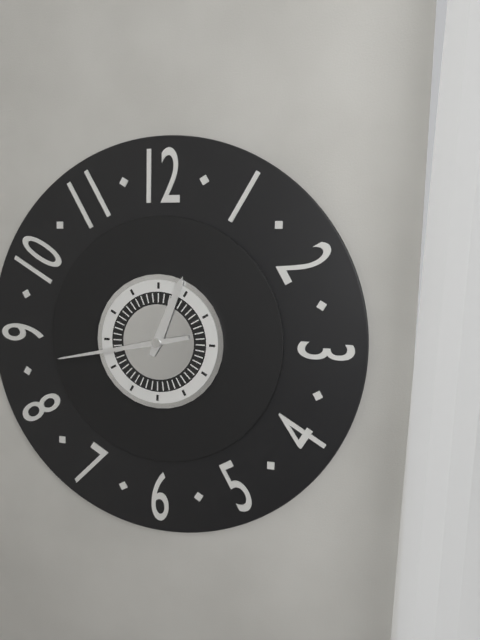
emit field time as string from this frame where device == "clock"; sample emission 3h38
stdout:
12h43
